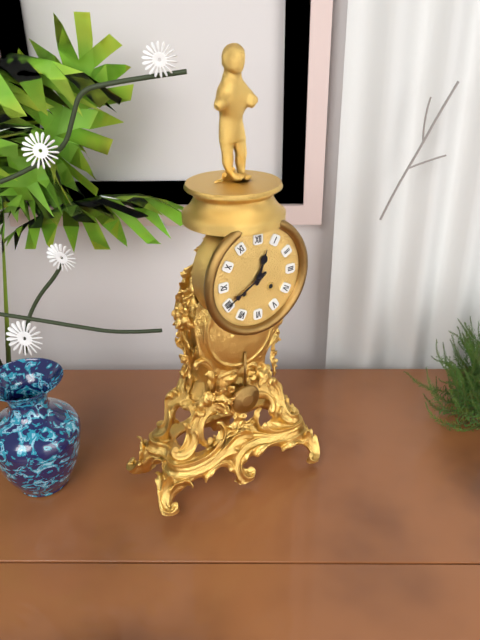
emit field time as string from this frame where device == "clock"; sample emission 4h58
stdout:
12h40
